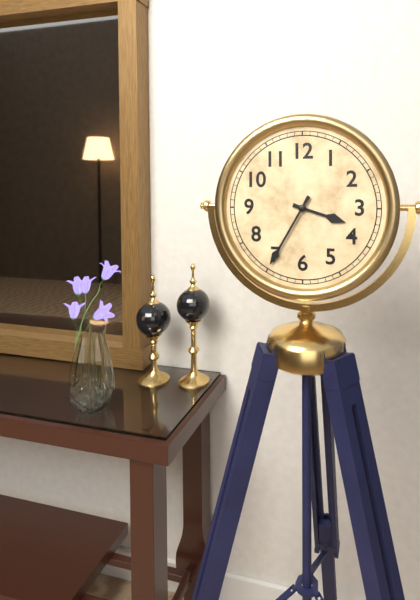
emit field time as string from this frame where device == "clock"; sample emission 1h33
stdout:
3h35
